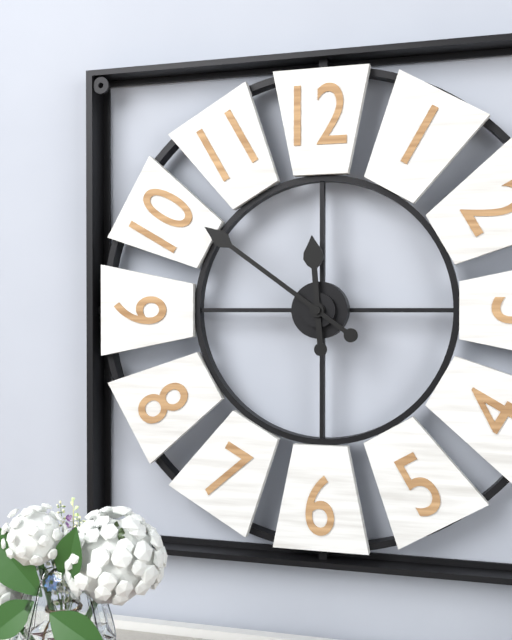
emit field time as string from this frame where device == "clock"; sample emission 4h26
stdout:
11h51
